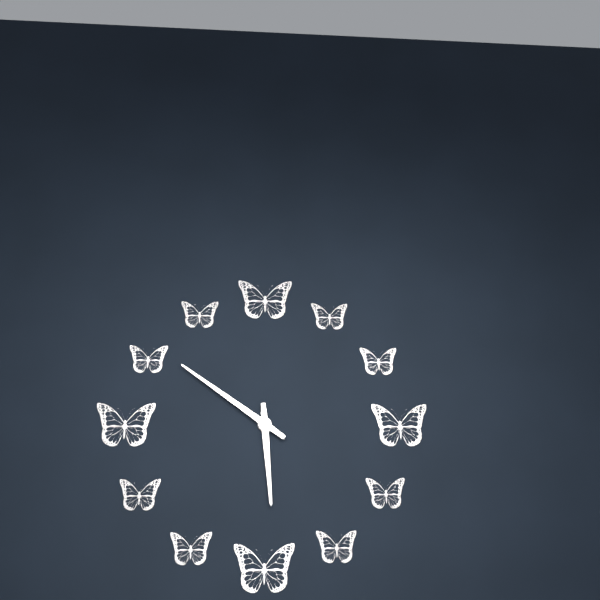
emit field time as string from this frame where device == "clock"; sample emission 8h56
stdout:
5h51
